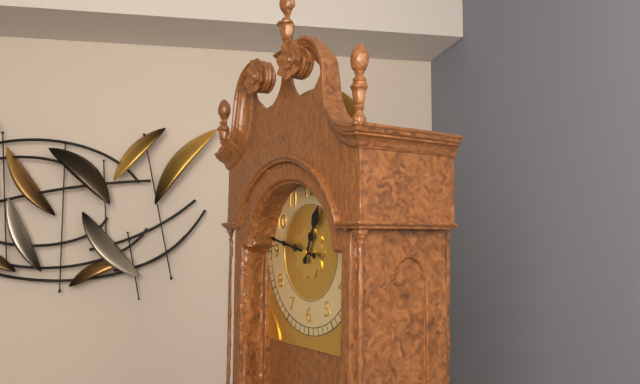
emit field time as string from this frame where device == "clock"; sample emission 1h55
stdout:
12h47
